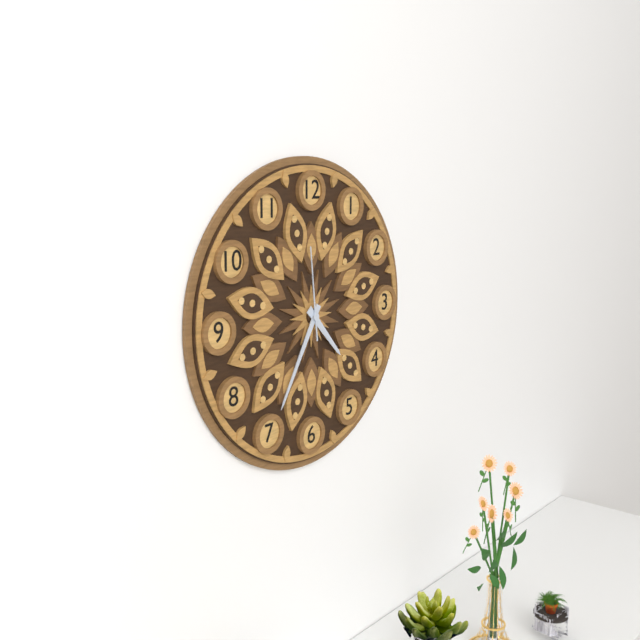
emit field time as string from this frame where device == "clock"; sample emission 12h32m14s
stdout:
4h35m59s
